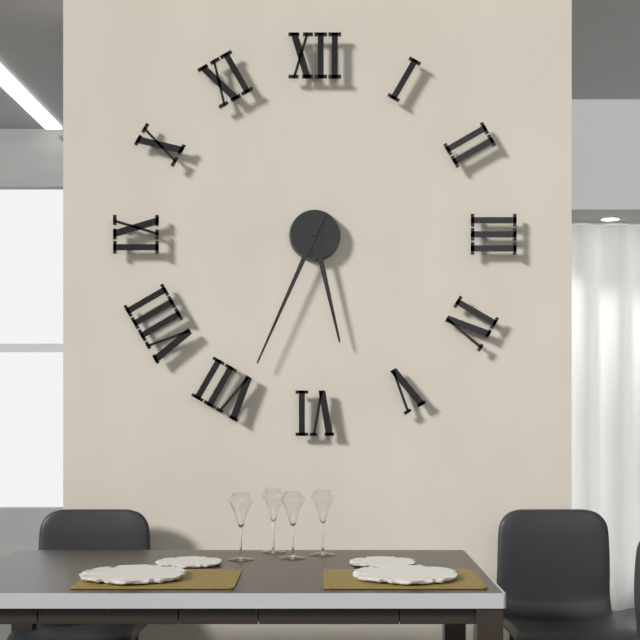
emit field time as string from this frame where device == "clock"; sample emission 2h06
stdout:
5h34
